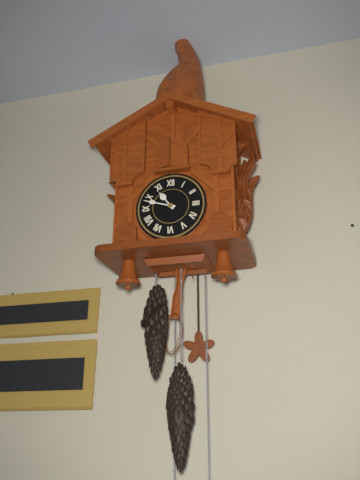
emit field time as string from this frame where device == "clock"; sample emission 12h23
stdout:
10h48
